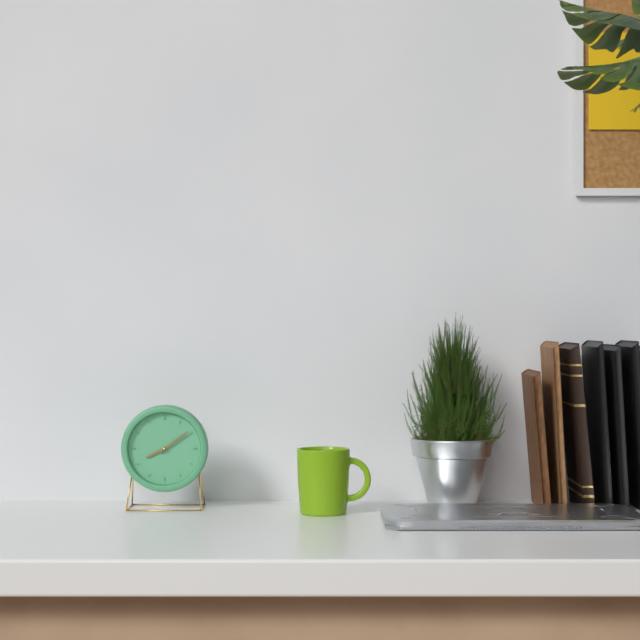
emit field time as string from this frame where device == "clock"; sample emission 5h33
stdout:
8h09
